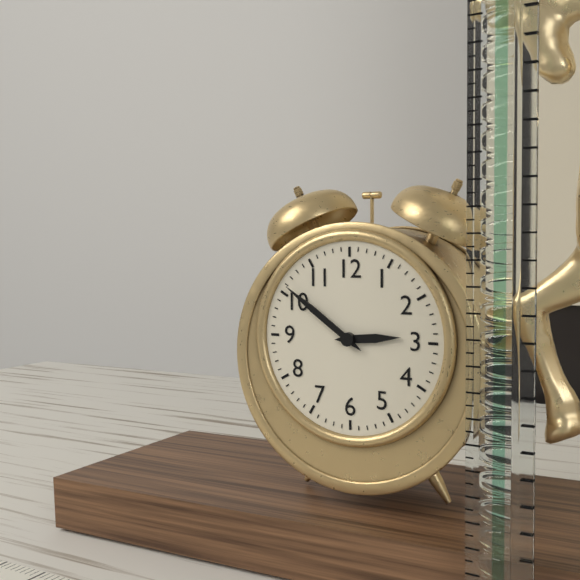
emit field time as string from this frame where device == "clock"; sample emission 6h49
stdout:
2h51
